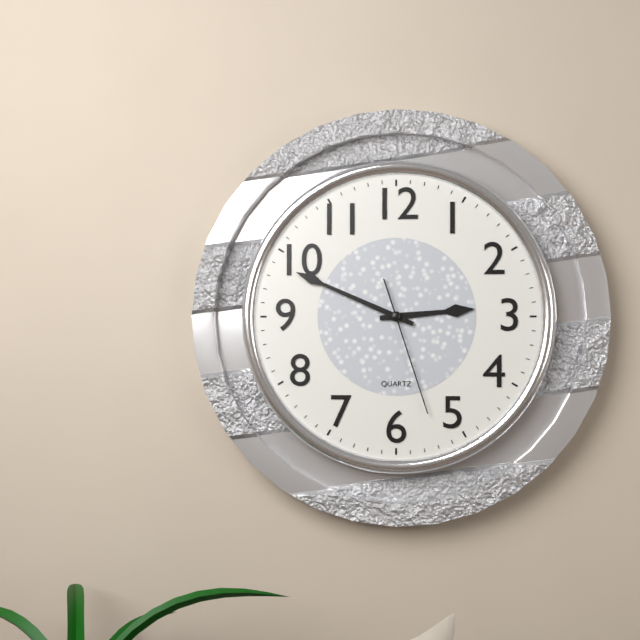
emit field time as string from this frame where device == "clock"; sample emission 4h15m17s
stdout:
2h49m27s
